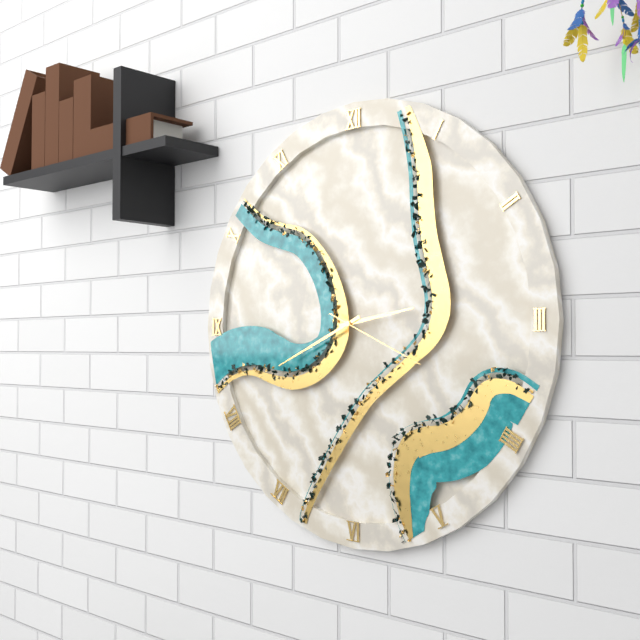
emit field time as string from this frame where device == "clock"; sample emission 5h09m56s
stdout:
2h41m19s
